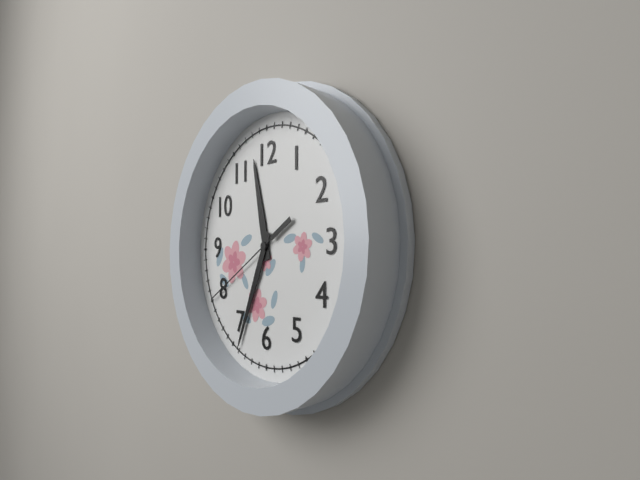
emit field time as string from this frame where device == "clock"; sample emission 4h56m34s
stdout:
11h34m40s
